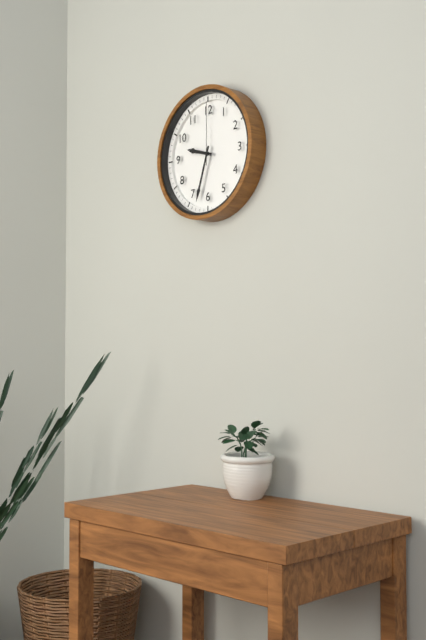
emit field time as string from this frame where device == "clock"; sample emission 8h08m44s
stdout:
9h33m00s
